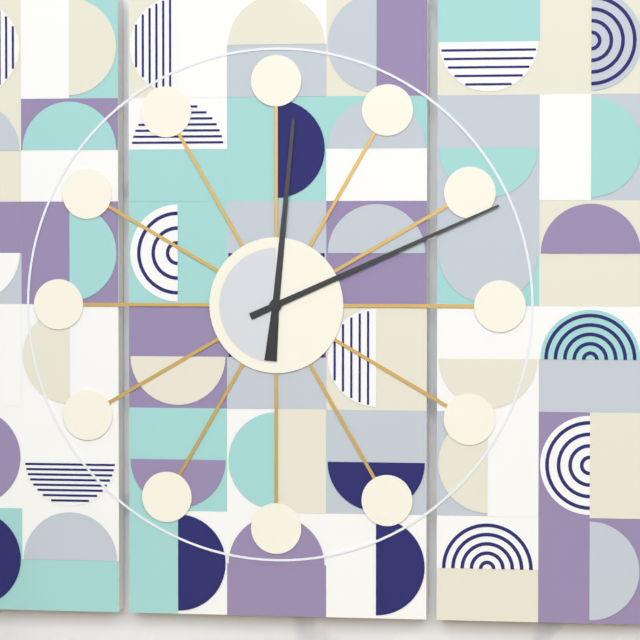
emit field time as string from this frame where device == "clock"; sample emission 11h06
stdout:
12h11
